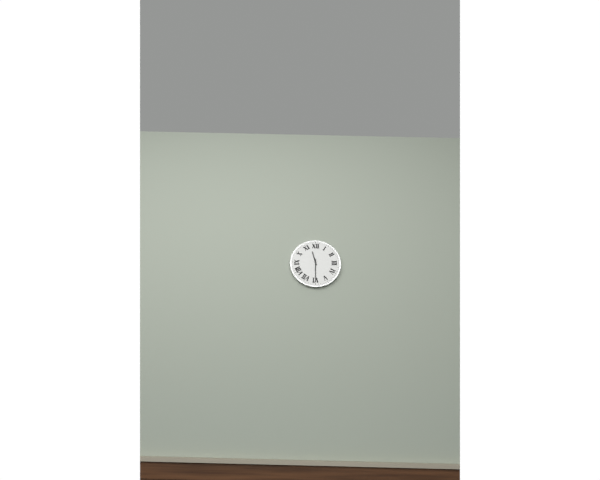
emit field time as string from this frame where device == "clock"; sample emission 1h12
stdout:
11h30
